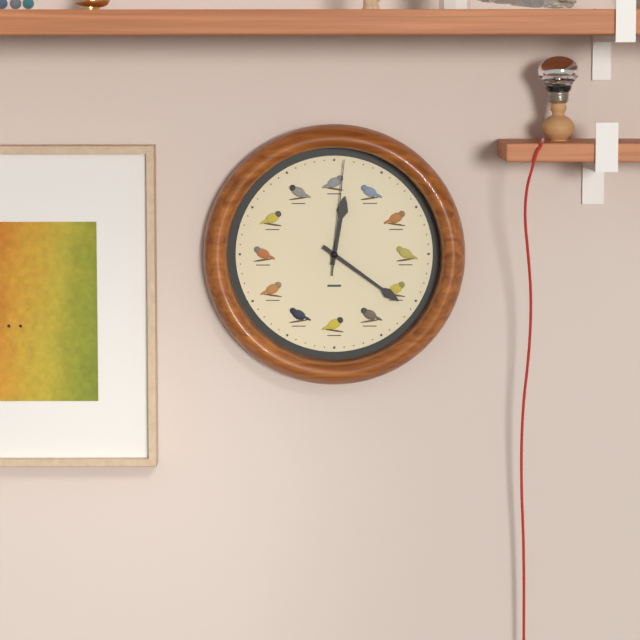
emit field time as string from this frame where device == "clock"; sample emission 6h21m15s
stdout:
12h21m01s
